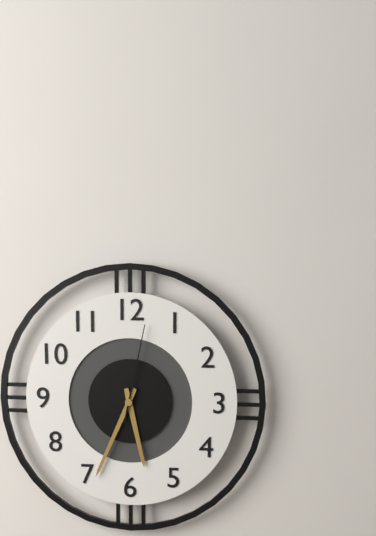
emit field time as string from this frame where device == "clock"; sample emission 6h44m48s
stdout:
5h34m02s
